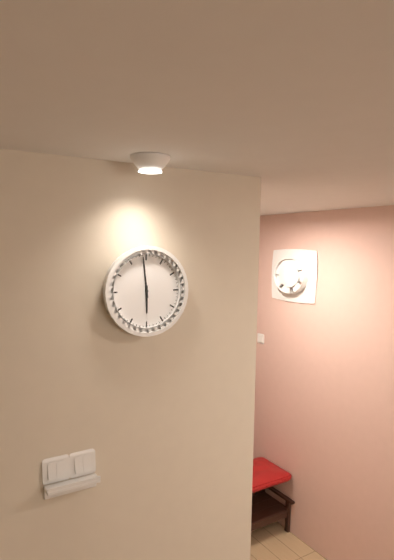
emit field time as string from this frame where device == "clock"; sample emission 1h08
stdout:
5h59
